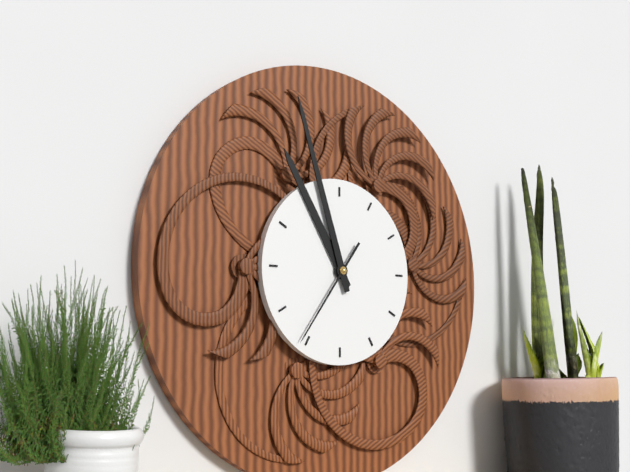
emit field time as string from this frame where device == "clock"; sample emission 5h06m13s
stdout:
10h57m36s
